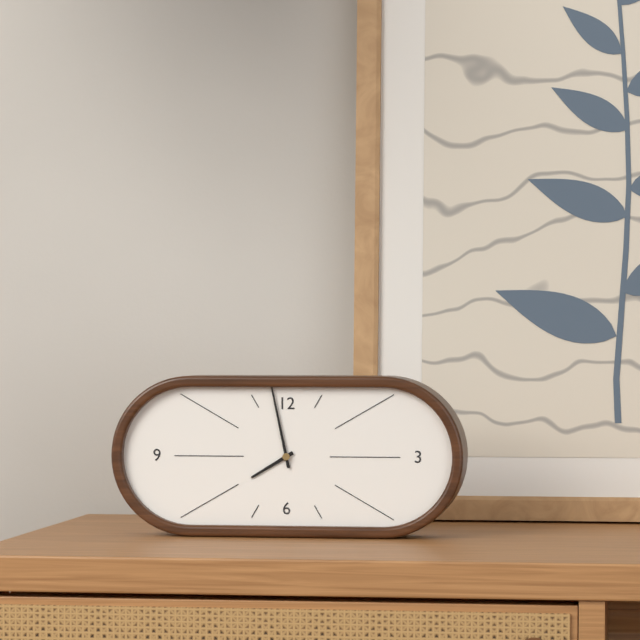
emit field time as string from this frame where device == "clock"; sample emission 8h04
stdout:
7h58
